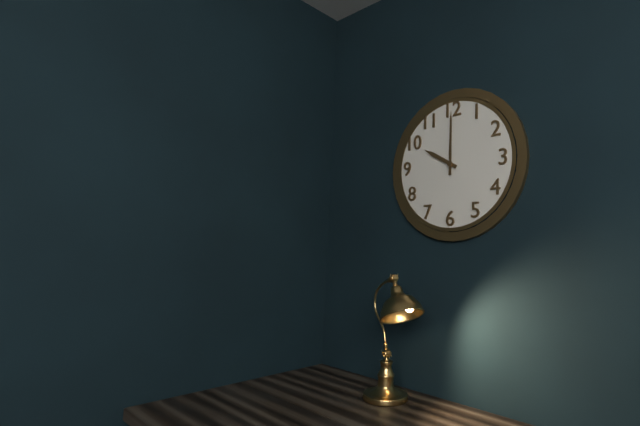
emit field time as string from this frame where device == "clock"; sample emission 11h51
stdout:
10h00
